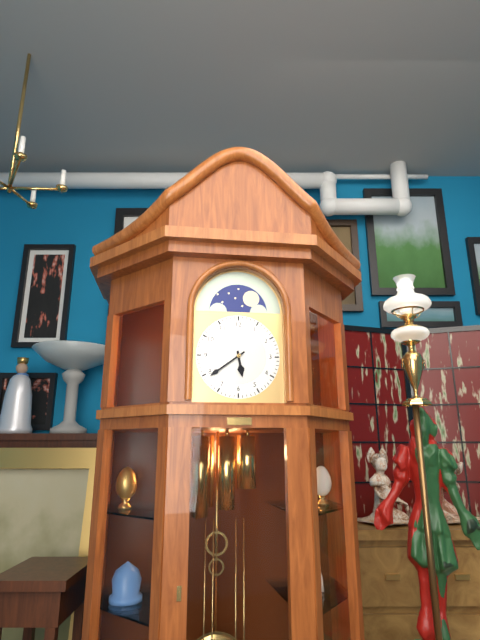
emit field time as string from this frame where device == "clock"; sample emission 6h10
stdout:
5h39
